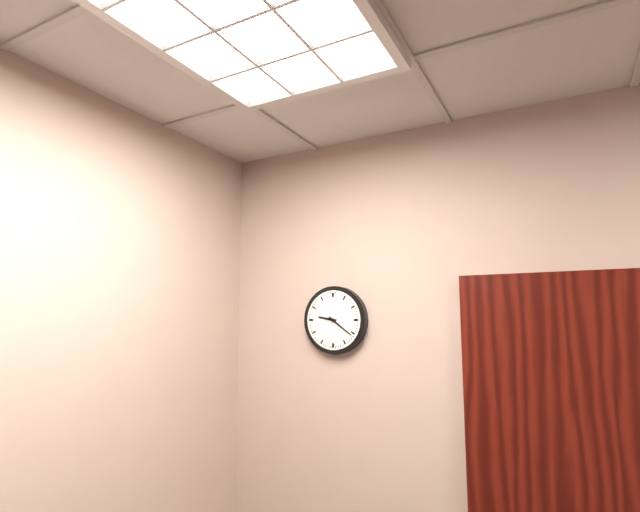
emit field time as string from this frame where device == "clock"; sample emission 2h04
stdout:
9h21
